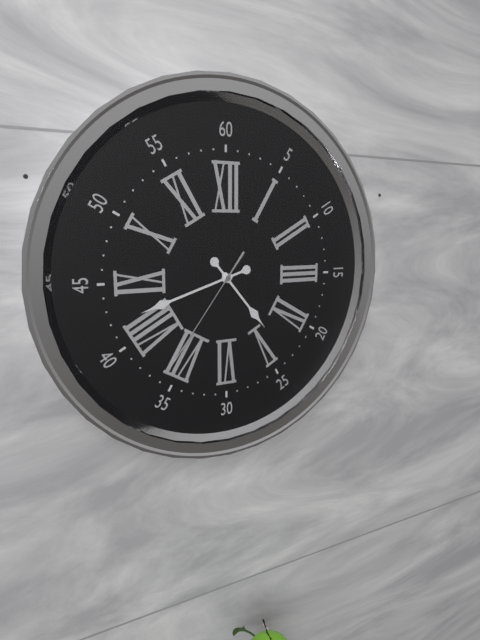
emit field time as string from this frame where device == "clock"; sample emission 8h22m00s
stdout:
4h42m36s
